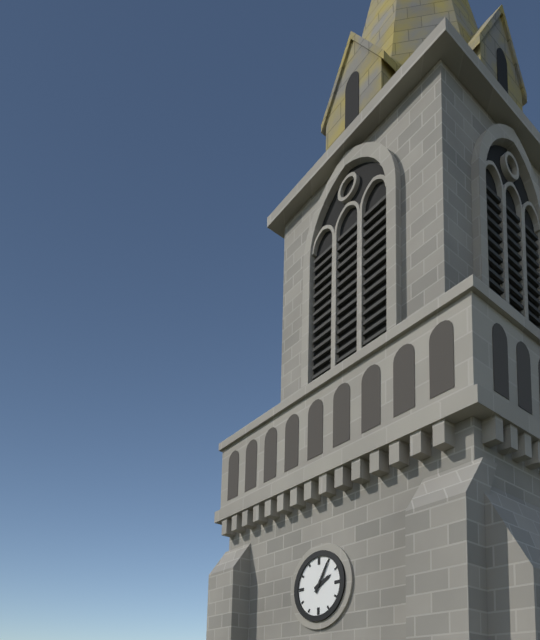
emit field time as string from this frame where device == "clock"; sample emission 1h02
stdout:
2h05
